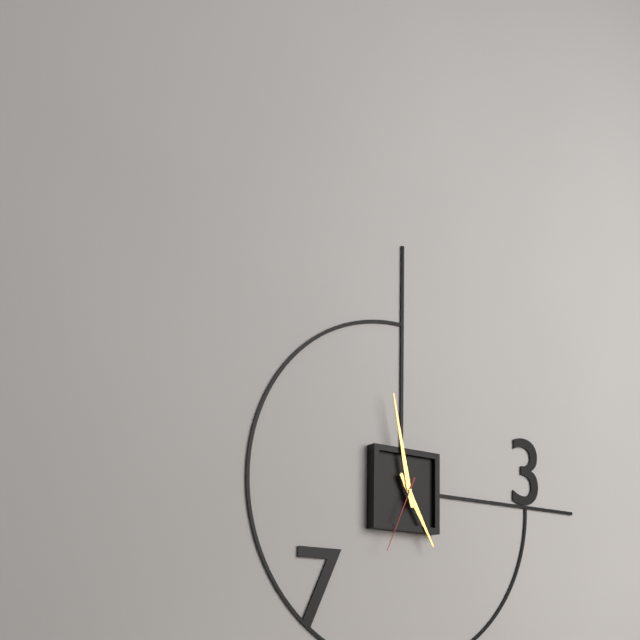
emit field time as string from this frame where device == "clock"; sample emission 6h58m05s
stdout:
4h58m34s
